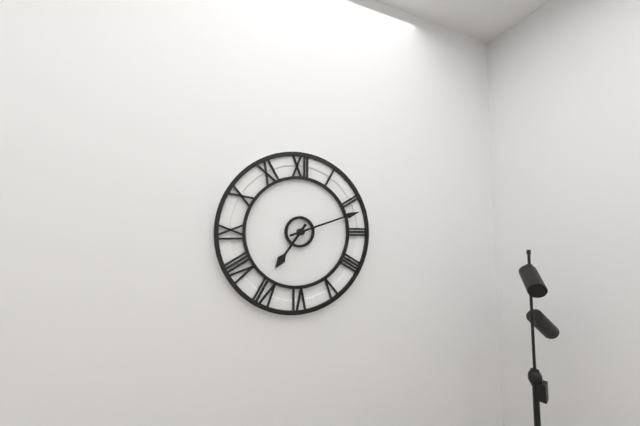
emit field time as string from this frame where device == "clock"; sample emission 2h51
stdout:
7h12
